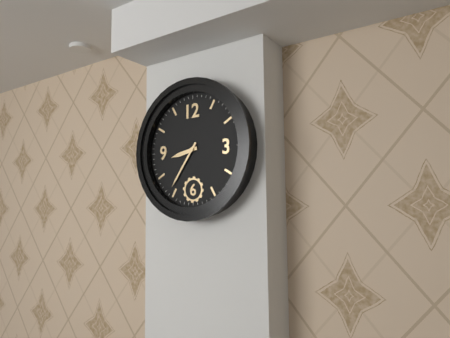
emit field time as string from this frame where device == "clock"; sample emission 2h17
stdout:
8h36
